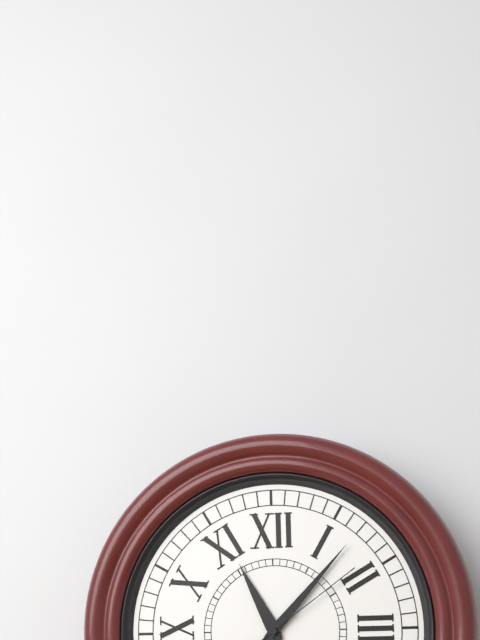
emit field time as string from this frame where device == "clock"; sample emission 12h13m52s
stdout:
11h07m09s
